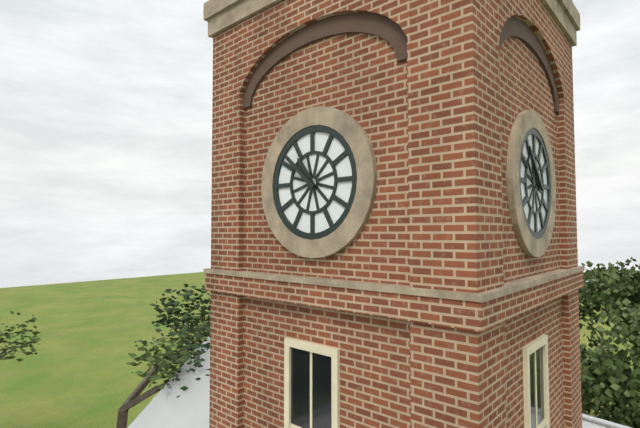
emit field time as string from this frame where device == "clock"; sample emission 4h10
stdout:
10h52
